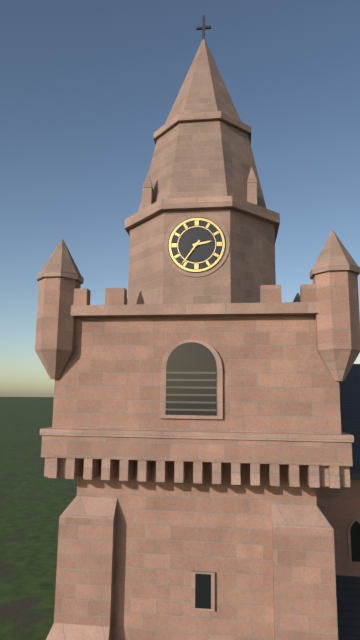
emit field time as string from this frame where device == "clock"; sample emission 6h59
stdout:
2h36
